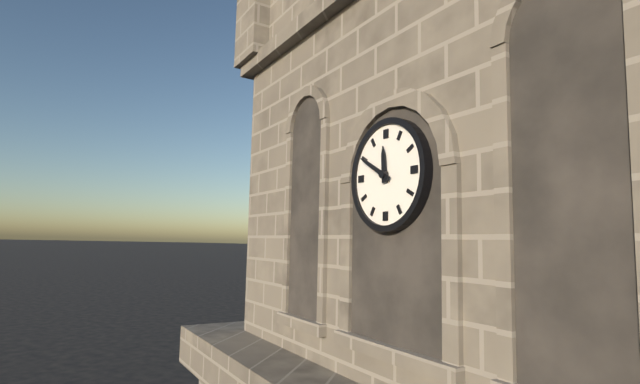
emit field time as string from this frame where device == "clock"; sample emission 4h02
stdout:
11h50
